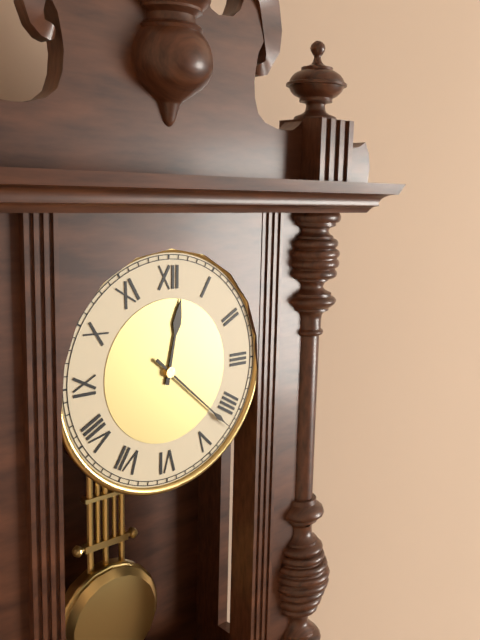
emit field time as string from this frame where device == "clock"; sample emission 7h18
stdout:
12h22
